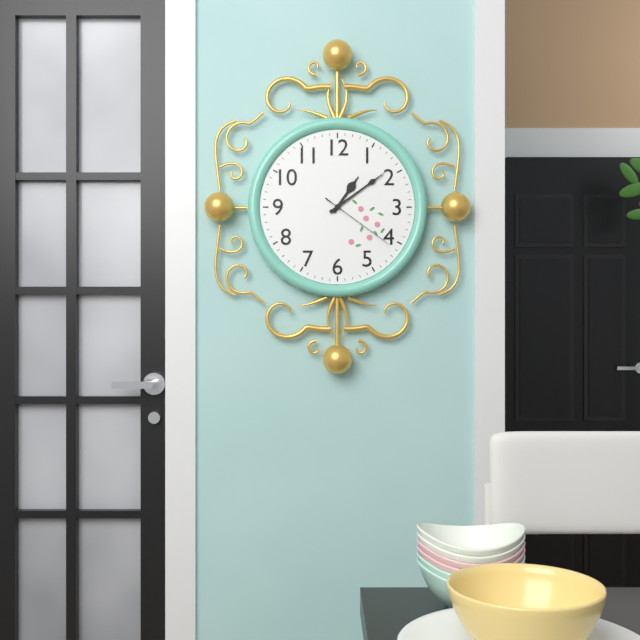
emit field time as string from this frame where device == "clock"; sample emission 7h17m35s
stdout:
1h09m21s
